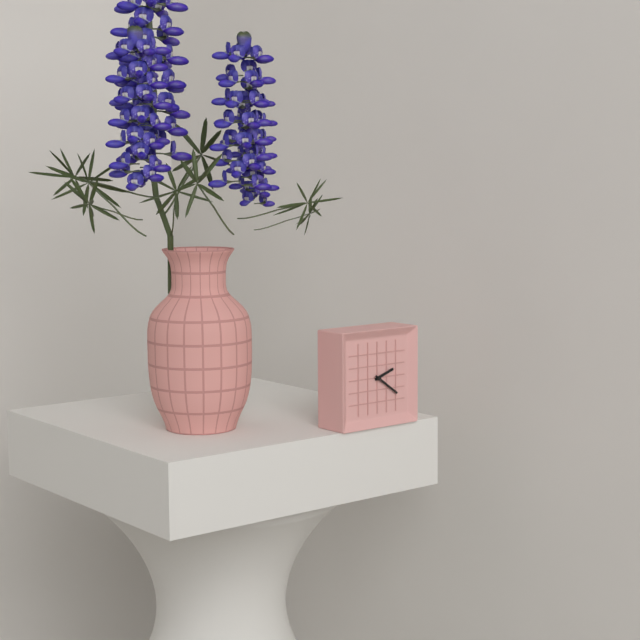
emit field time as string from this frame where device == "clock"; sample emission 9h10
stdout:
2h21
